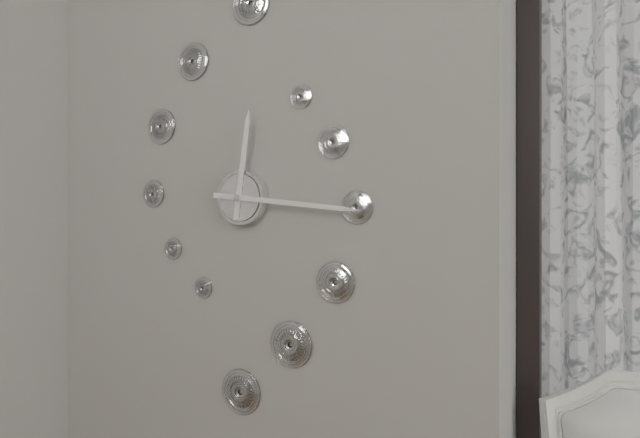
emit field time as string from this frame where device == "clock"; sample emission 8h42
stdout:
12h16
